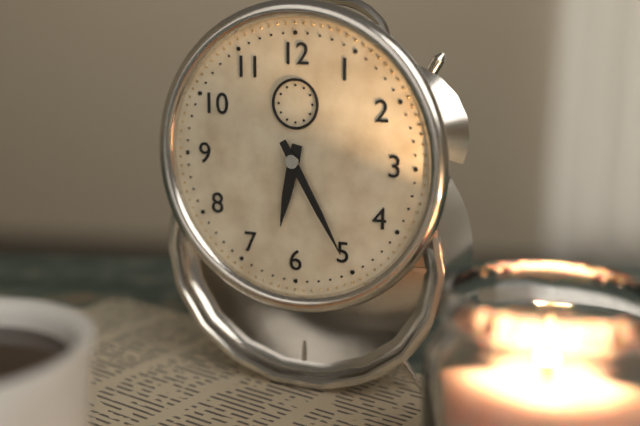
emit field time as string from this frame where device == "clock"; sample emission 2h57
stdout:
6h25
